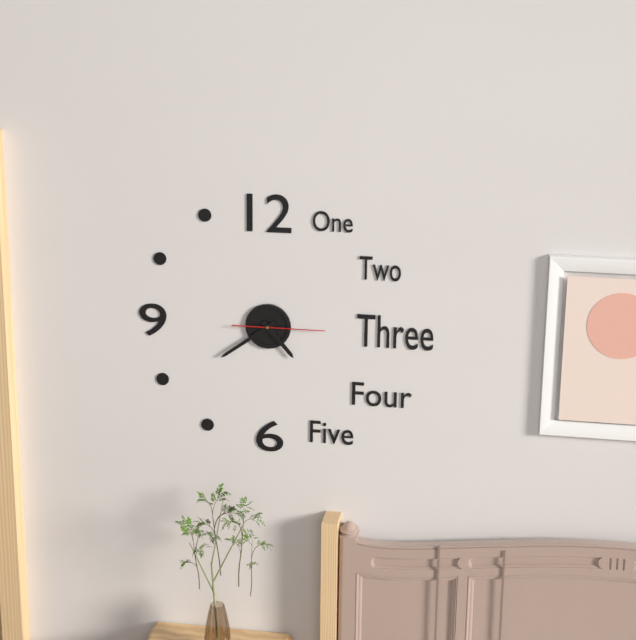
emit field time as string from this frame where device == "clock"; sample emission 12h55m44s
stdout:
4h39m15s
